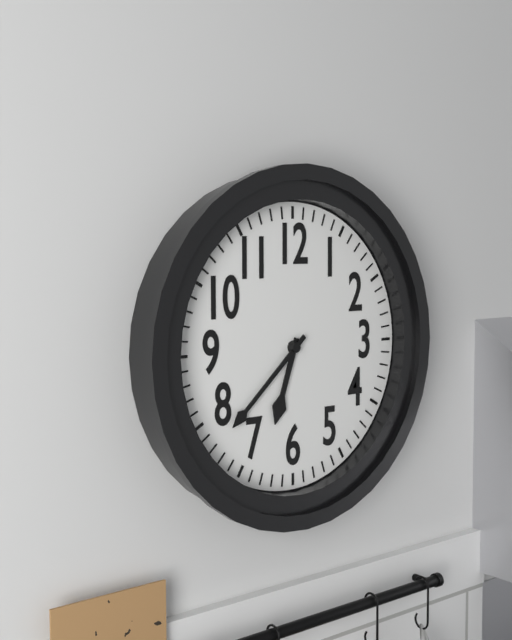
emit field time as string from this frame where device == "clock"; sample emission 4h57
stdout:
6h38
